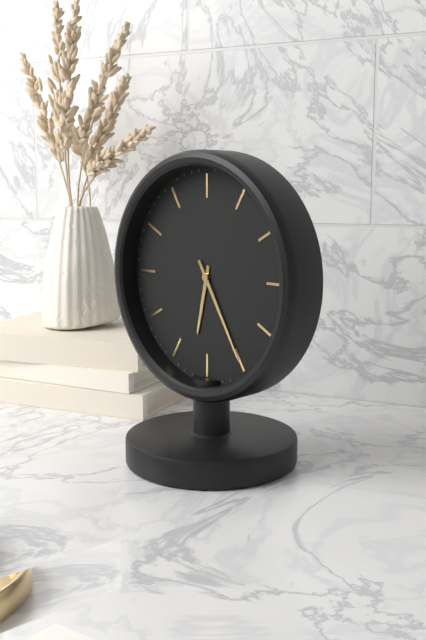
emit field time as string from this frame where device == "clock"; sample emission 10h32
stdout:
6h25
